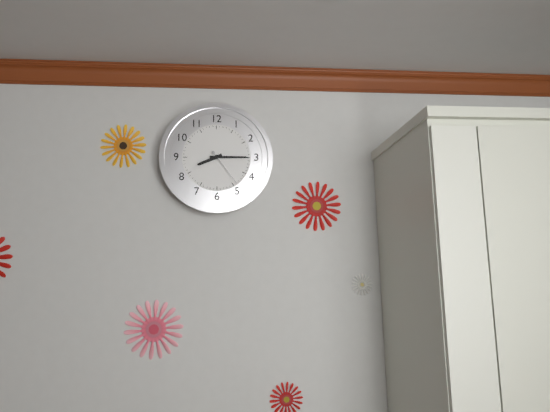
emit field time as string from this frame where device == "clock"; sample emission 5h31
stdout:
8h15
